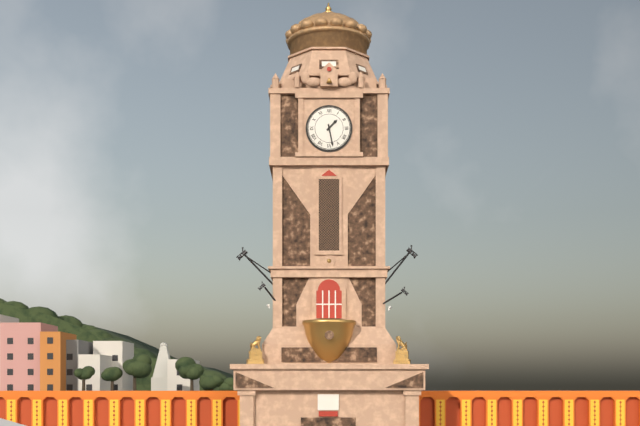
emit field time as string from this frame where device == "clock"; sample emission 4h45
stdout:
1h28
